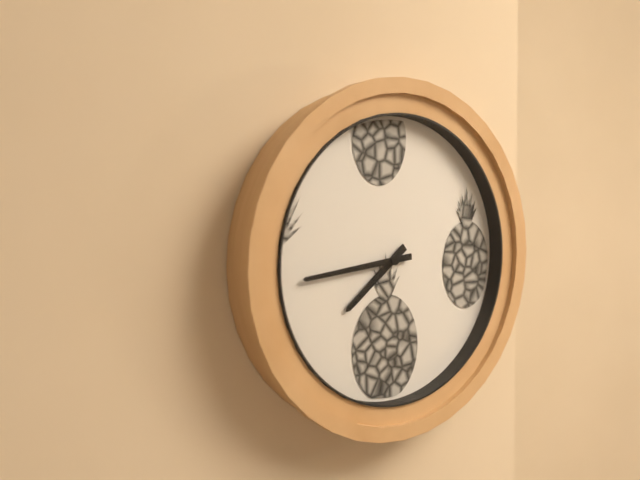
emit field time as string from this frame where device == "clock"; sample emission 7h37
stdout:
7h44
